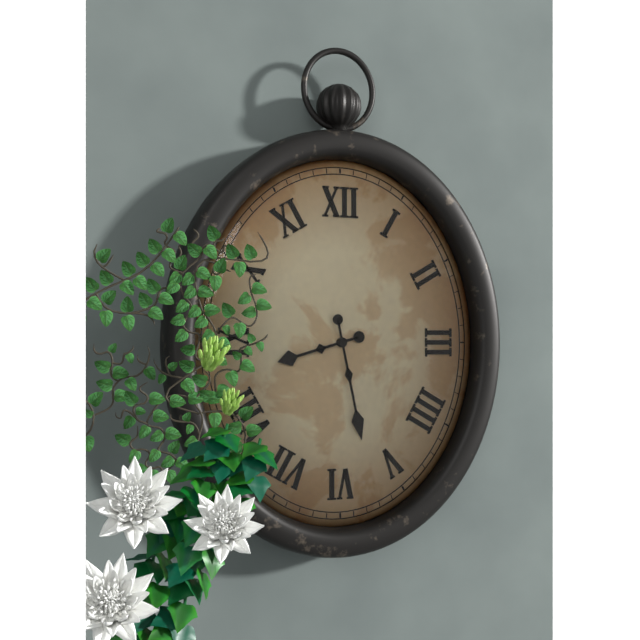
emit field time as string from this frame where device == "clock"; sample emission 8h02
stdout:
8h28
